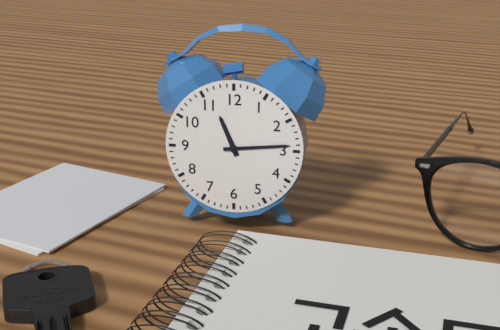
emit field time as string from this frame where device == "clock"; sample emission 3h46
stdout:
11h14
